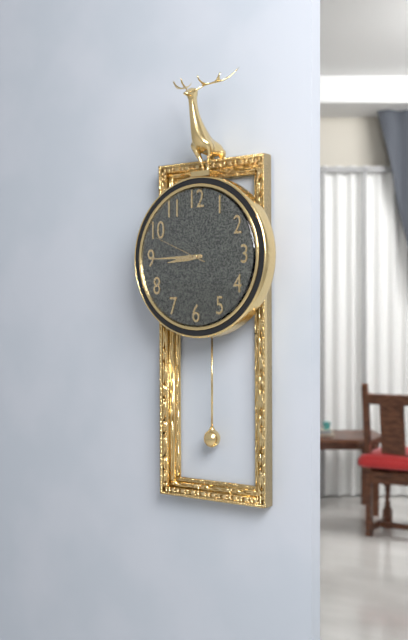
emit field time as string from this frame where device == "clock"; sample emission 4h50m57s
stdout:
8h45m49s
